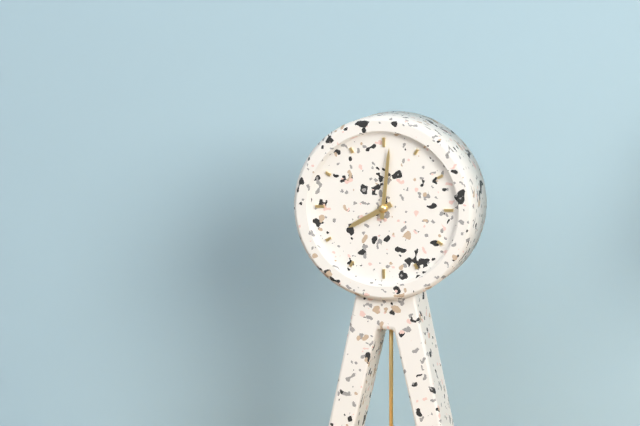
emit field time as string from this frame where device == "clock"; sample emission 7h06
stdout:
8h01
